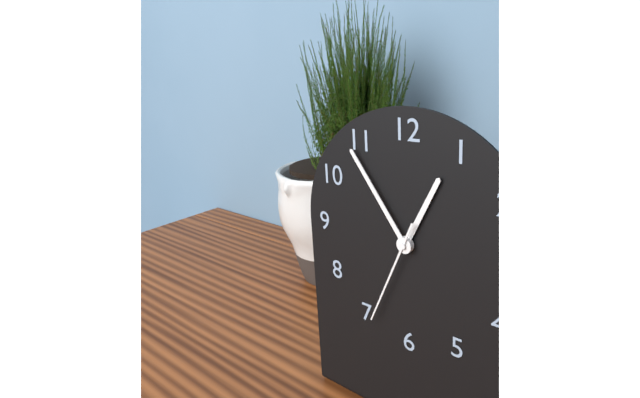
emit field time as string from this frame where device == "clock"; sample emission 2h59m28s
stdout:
12h54m34s
